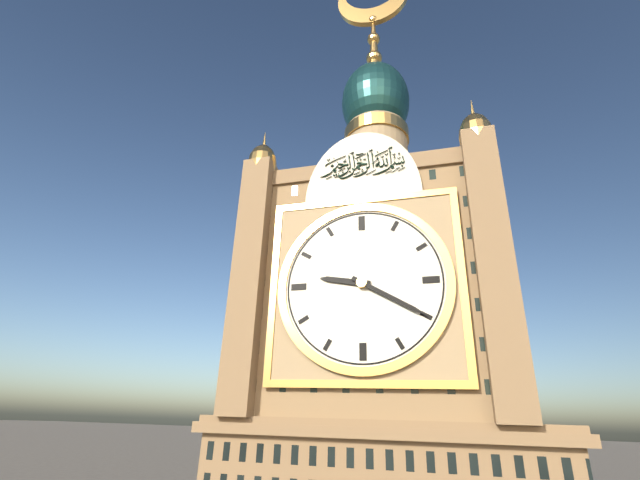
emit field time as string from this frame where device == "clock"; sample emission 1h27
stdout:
9h20
